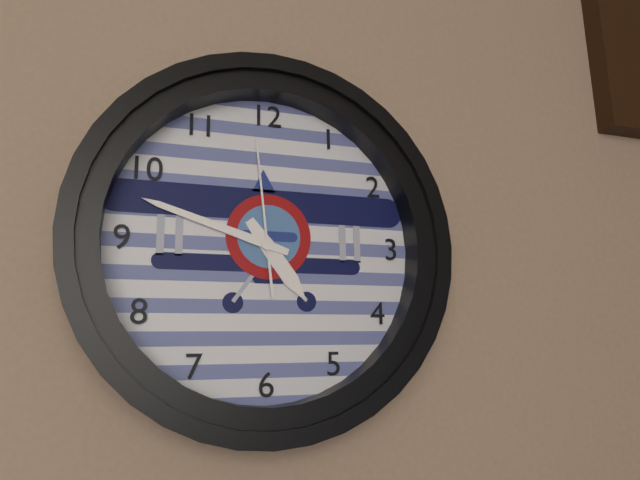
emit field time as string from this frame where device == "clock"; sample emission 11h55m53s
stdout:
4h48m59s
